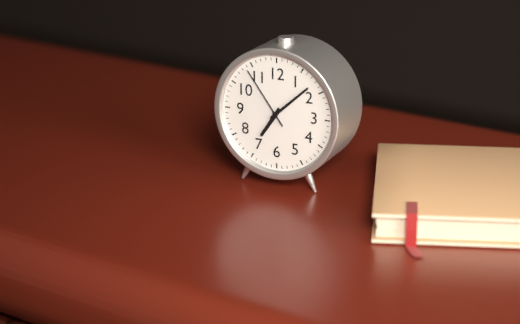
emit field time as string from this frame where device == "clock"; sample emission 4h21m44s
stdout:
7h08m54s
